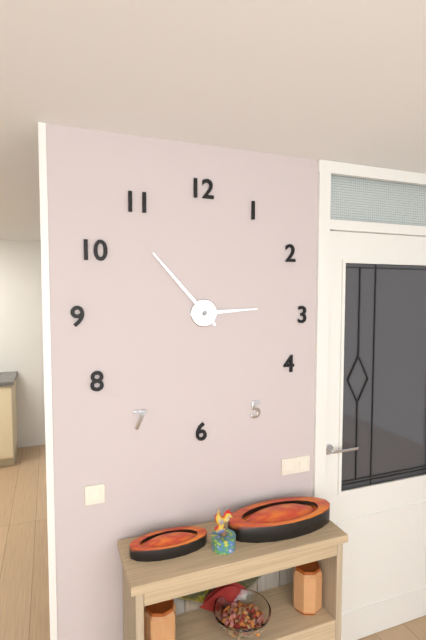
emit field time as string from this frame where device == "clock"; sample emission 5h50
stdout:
2h53
